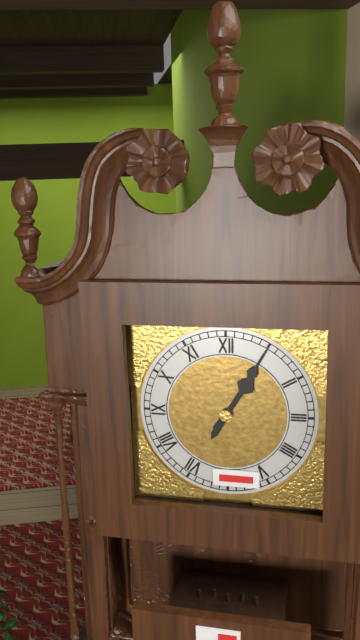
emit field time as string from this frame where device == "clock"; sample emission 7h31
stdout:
1h05
